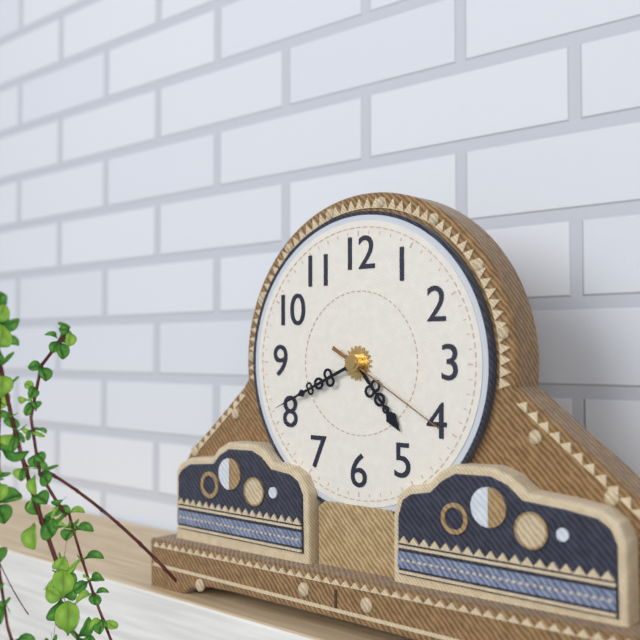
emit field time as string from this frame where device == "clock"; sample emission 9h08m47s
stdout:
4h41m20s
